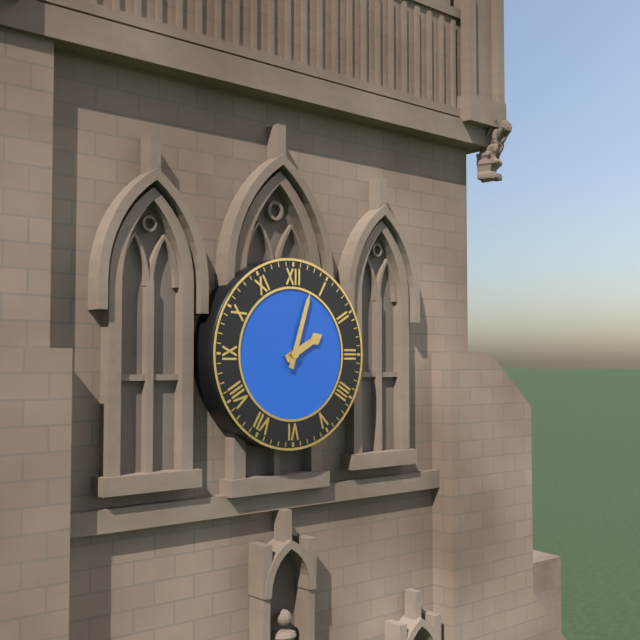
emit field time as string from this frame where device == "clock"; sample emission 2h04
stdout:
2h03
